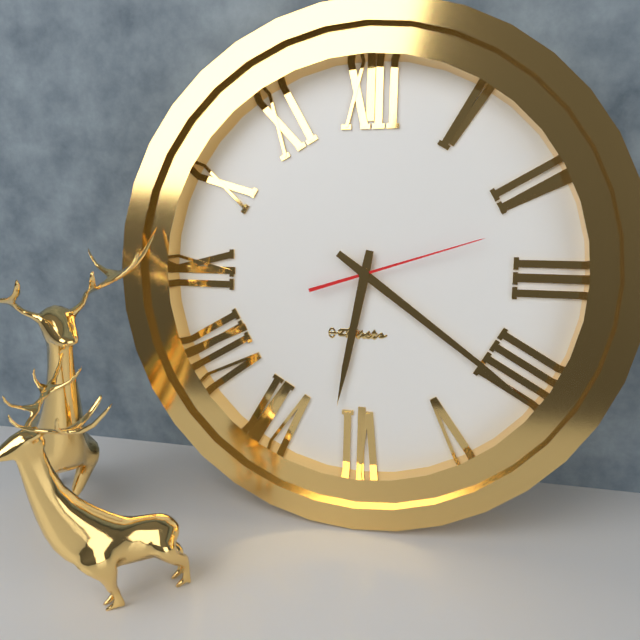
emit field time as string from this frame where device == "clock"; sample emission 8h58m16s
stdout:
6h21m12s
